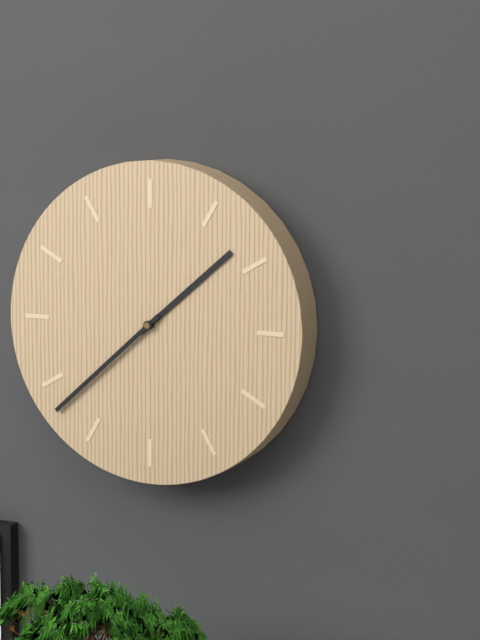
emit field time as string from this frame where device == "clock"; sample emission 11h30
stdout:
1h38
